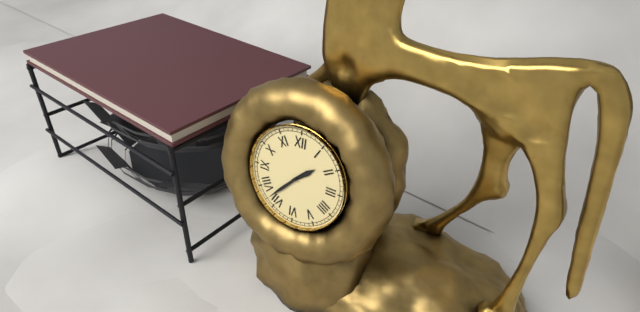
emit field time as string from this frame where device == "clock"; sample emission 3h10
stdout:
1h37
